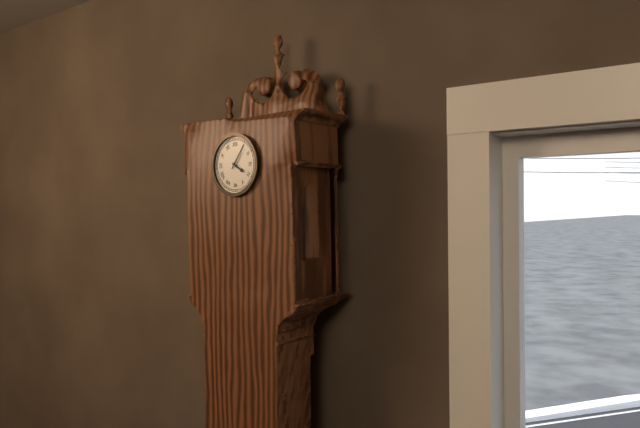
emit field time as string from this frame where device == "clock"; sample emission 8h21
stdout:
4h06
